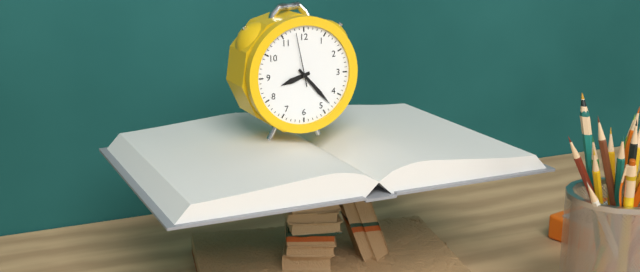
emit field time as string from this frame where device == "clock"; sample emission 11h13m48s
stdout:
8h23m58s
